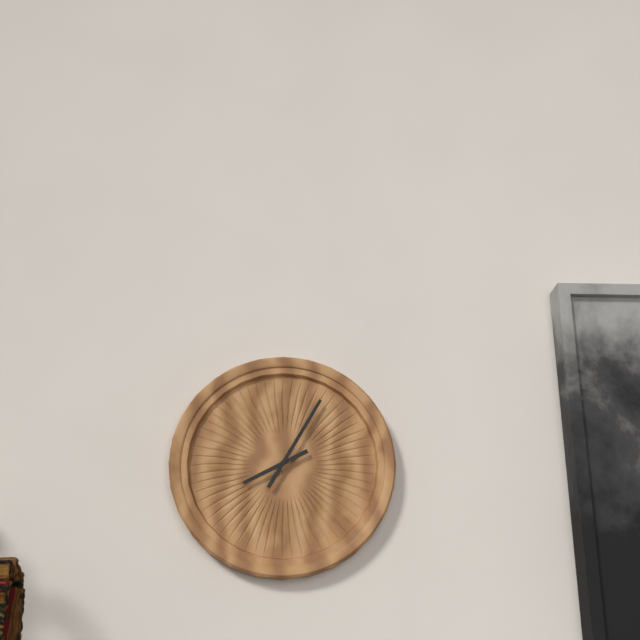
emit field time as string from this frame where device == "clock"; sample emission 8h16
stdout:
8h05
